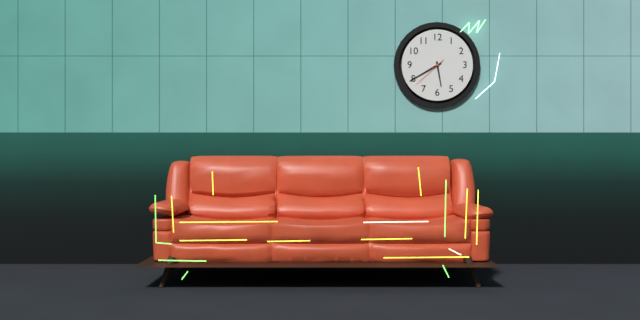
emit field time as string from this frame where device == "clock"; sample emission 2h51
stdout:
5h40
